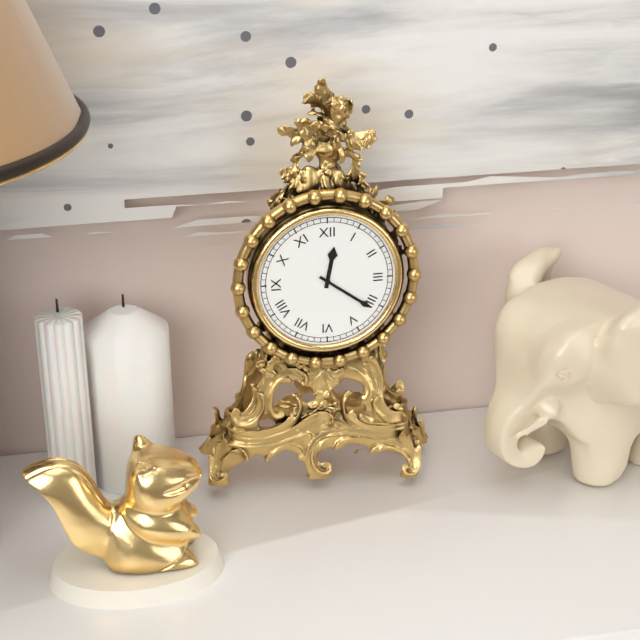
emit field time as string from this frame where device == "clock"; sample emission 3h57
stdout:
12h21
